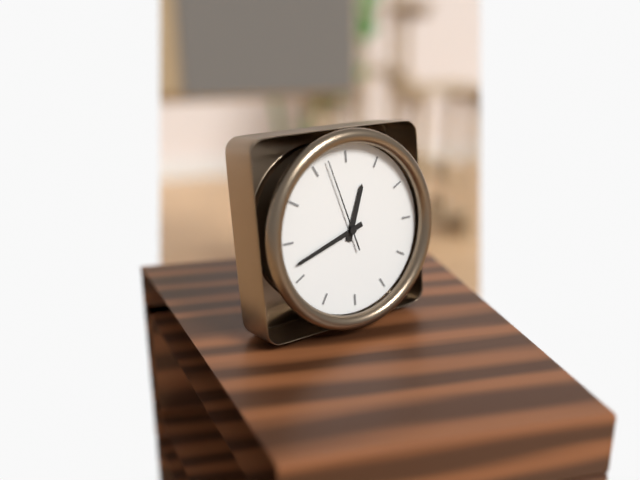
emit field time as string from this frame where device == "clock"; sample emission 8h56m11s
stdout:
12h42m57s
